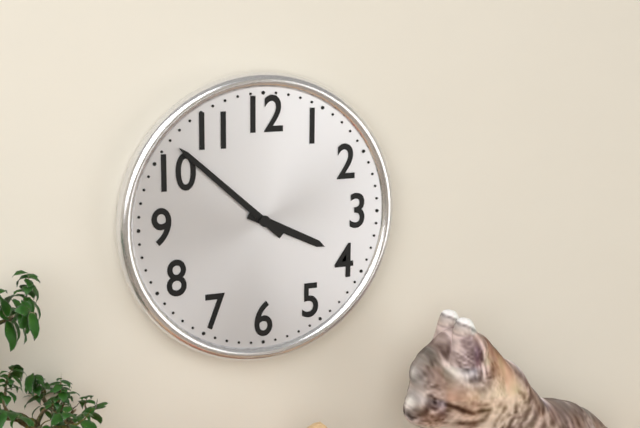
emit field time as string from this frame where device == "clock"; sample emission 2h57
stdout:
3h52
